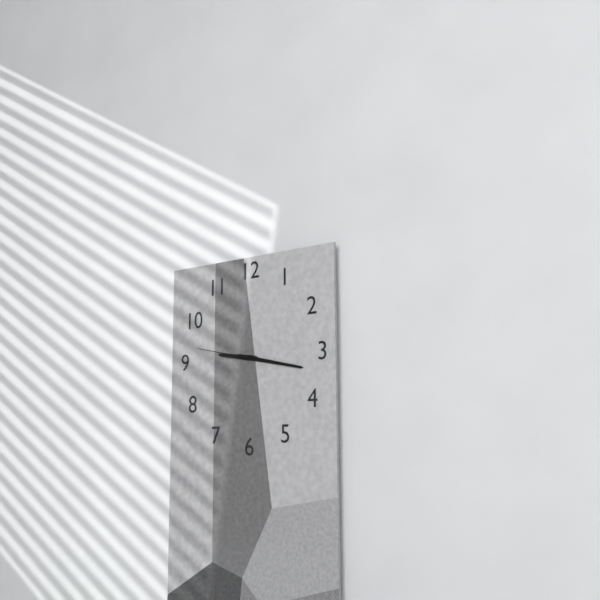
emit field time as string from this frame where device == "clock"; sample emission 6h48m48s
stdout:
9h17m47s
